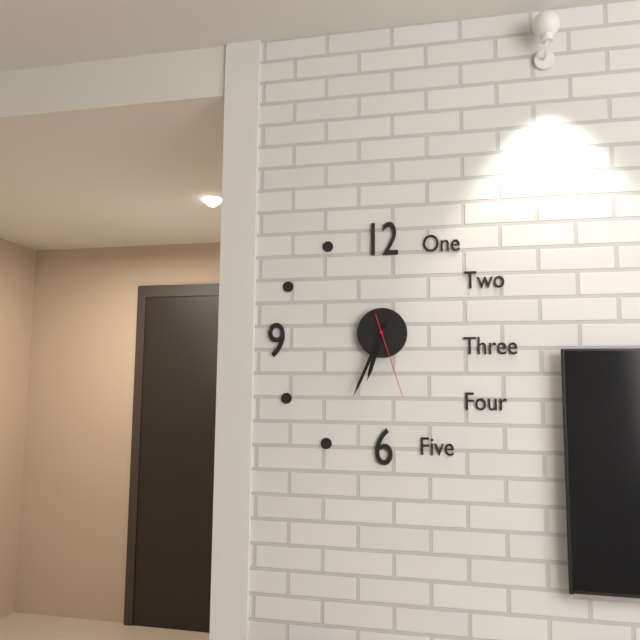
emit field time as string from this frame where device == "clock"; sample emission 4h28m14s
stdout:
6h34m27s
